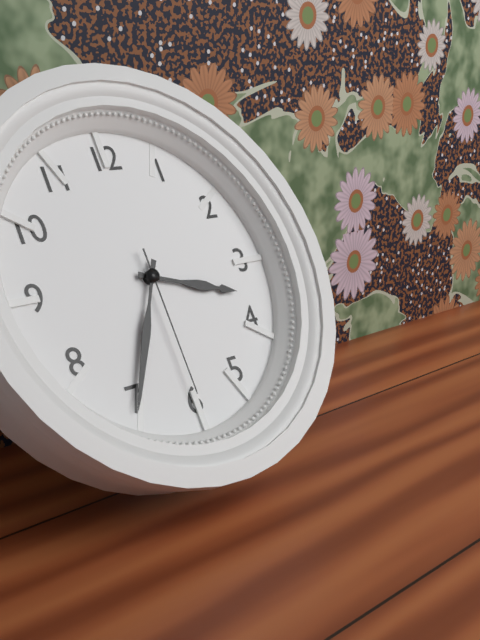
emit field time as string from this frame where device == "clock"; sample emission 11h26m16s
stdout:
3h35m30s
